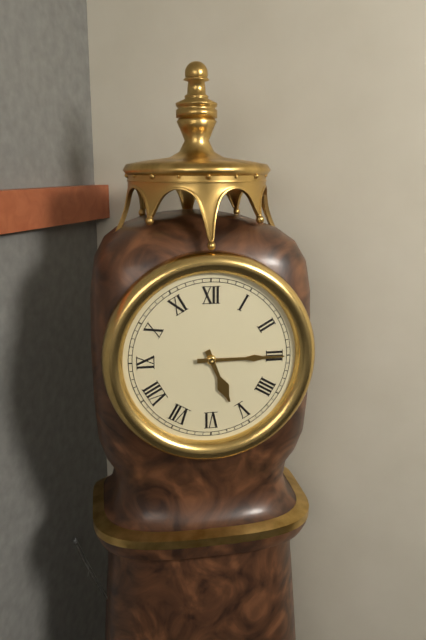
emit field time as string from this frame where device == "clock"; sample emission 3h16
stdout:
5h15
